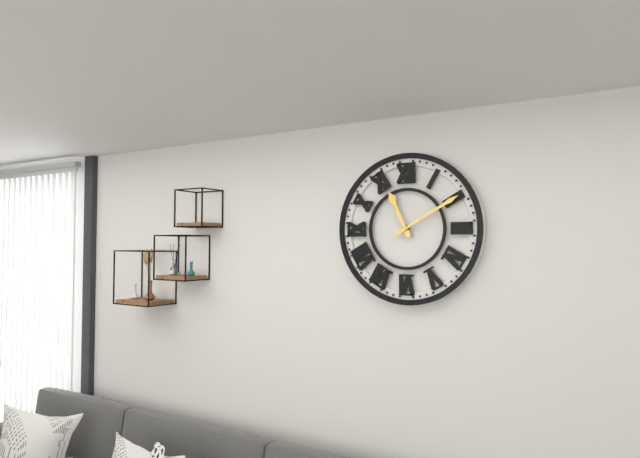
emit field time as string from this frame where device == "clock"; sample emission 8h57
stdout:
11h10
